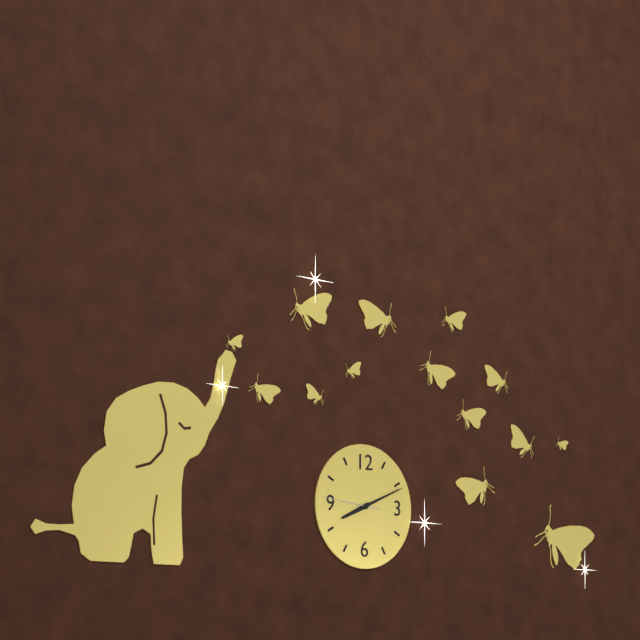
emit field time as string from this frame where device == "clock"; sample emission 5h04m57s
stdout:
8h11m46s
